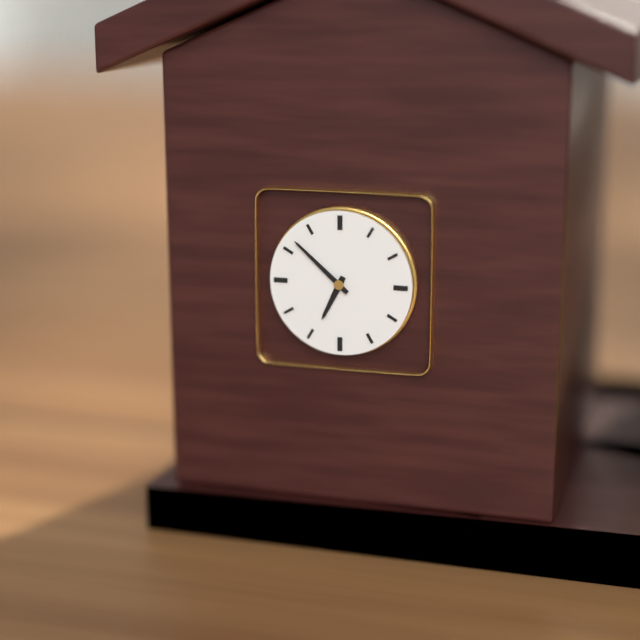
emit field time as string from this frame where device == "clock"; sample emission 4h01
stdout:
6h52
